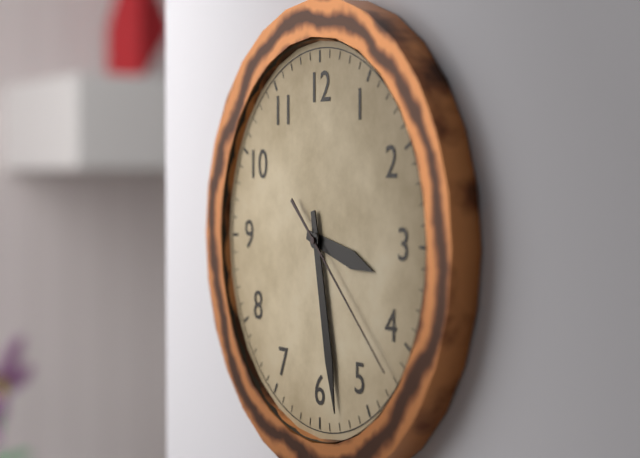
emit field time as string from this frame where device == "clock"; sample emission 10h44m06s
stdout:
3h28m22s
